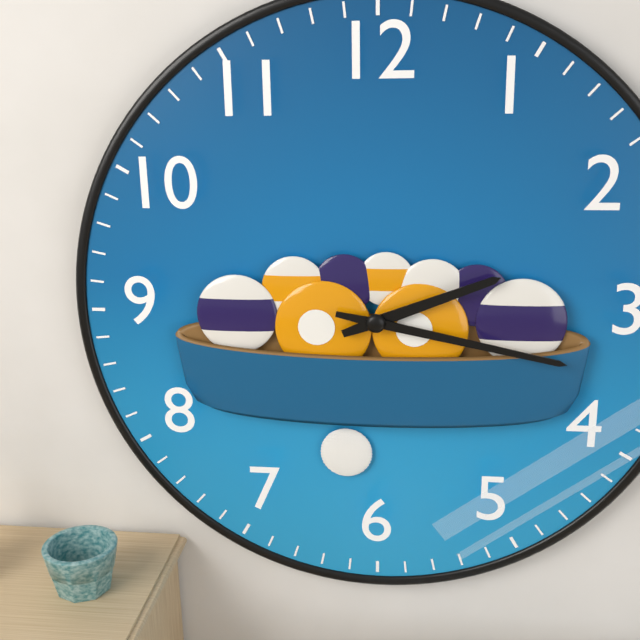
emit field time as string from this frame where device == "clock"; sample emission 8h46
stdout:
2h17
